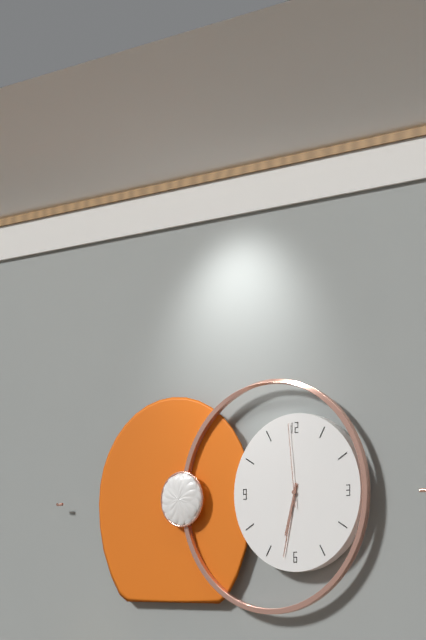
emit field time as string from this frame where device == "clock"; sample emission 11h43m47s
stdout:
6h32m59s
